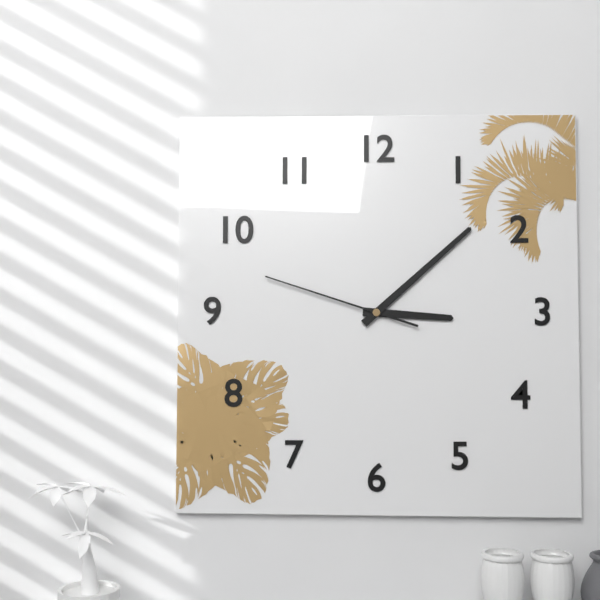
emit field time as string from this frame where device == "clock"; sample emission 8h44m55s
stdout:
3h08m48s
